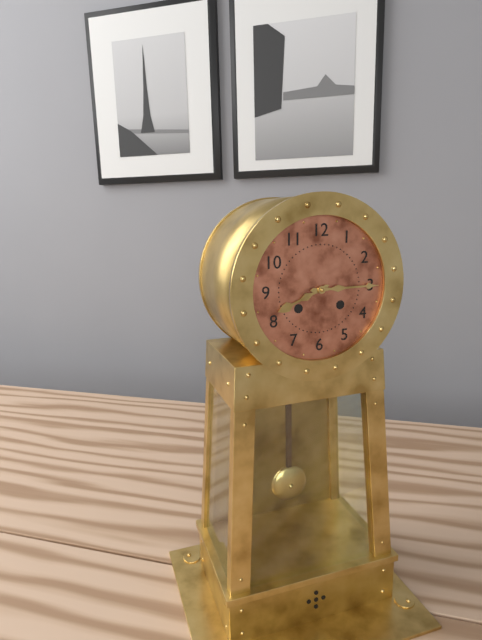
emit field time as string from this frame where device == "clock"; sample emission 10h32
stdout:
8h15
